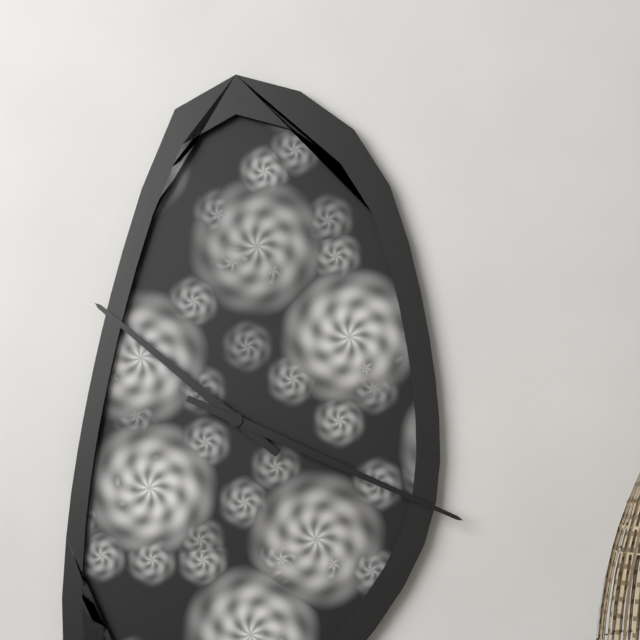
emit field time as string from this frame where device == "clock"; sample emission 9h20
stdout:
10h19
